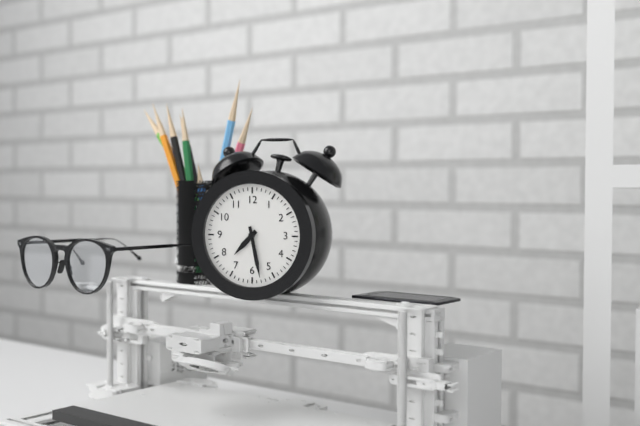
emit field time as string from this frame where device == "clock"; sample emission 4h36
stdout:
7h28
